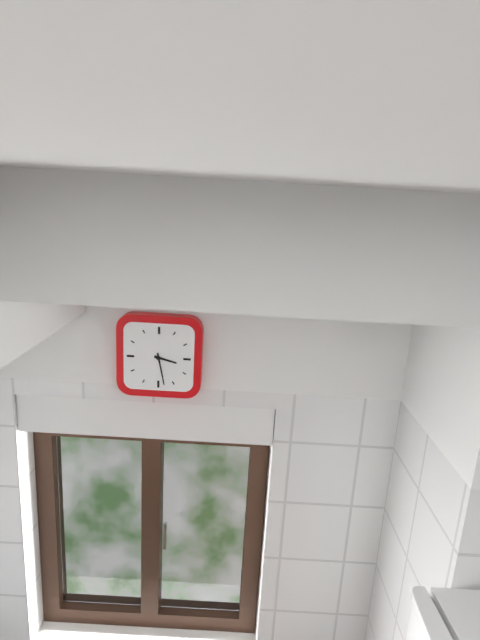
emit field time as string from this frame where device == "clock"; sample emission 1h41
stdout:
3h28
